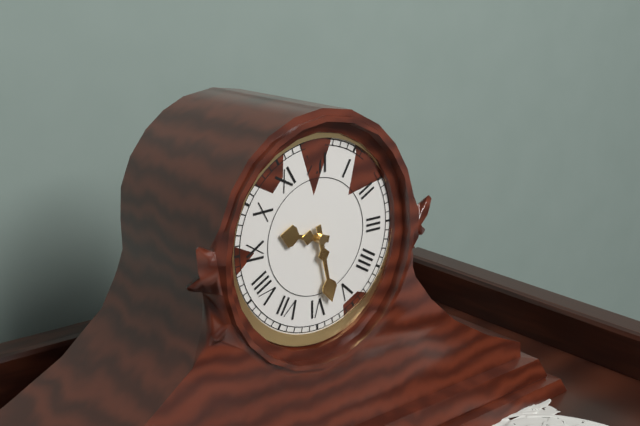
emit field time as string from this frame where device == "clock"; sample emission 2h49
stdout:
9h28
